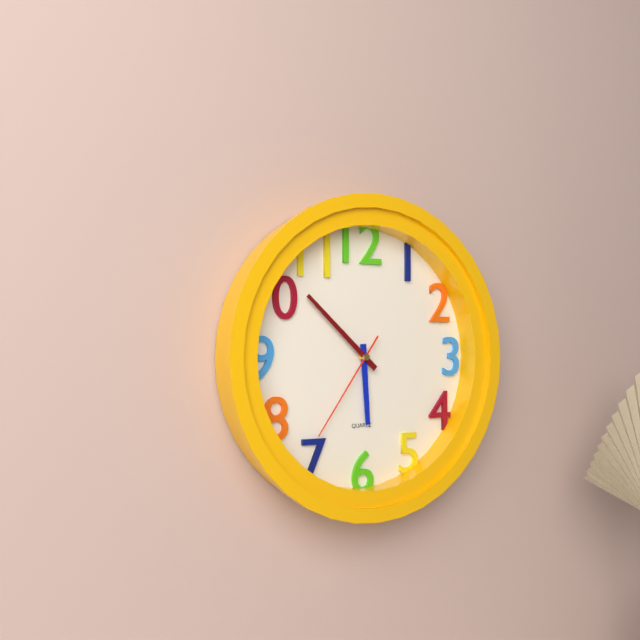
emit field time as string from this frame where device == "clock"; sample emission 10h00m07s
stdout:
5h52m36s
